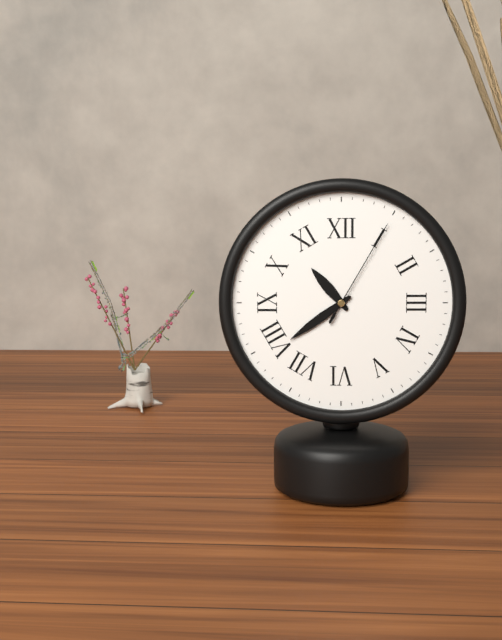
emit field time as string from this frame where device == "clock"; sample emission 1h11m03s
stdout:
10h39m05s
